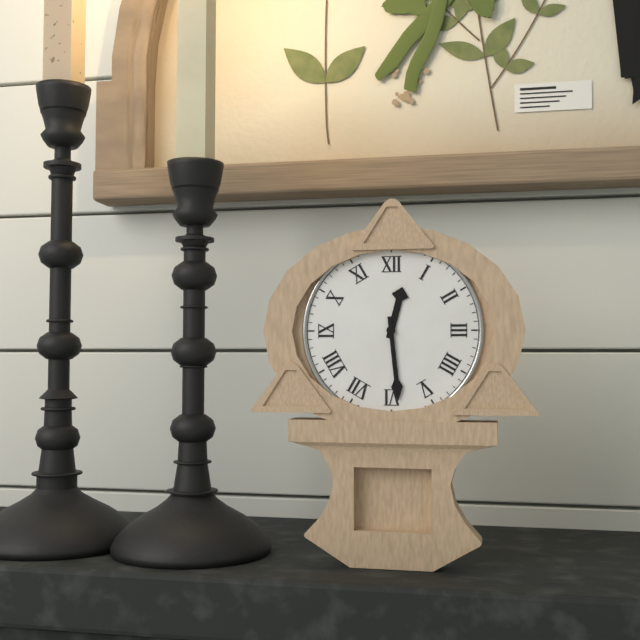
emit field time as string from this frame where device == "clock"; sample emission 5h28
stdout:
12h29
